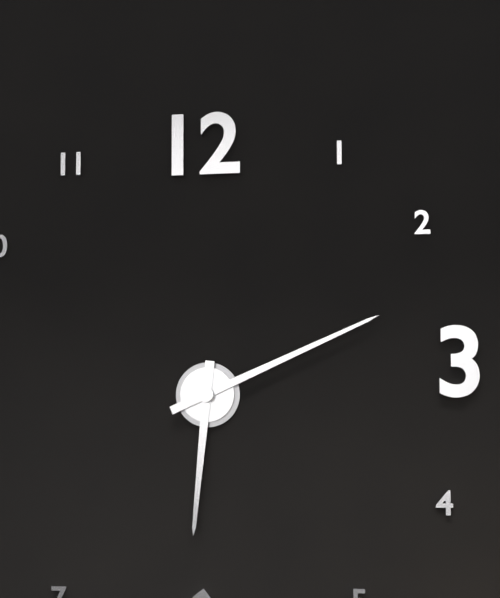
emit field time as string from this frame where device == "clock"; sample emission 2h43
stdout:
6h11
